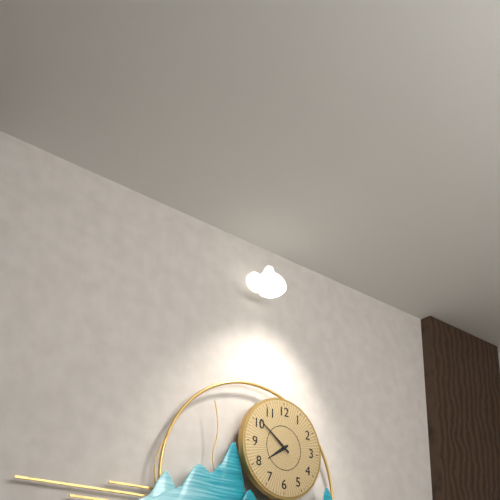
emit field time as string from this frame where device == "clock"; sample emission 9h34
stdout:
7h51
